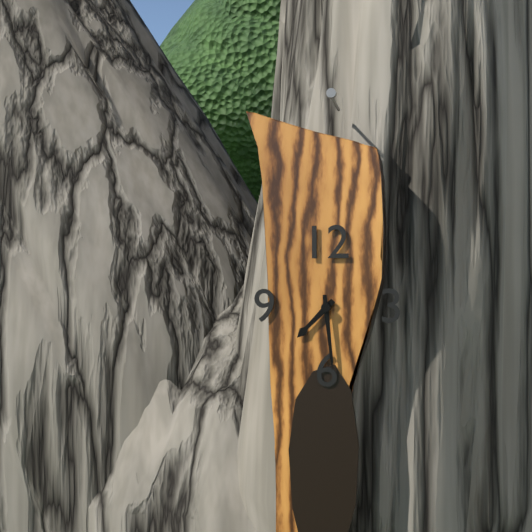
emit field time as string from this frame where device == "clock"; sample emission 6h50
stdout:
7h29
